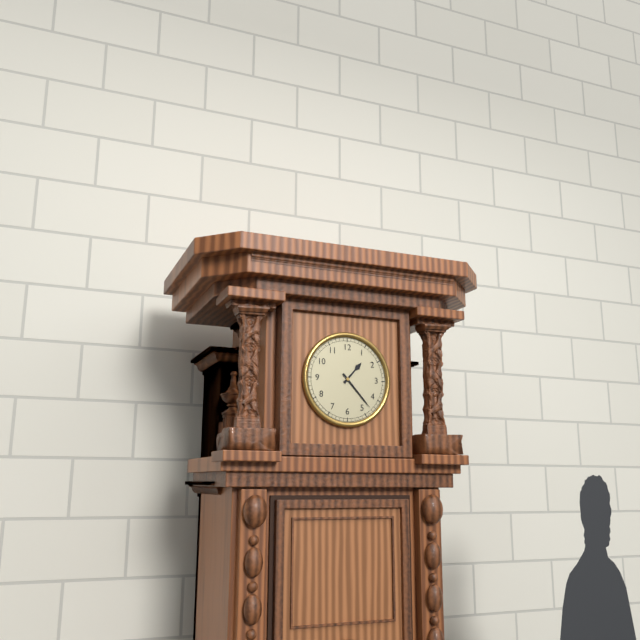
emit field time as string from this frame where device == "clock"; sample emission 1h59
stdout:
1h23
